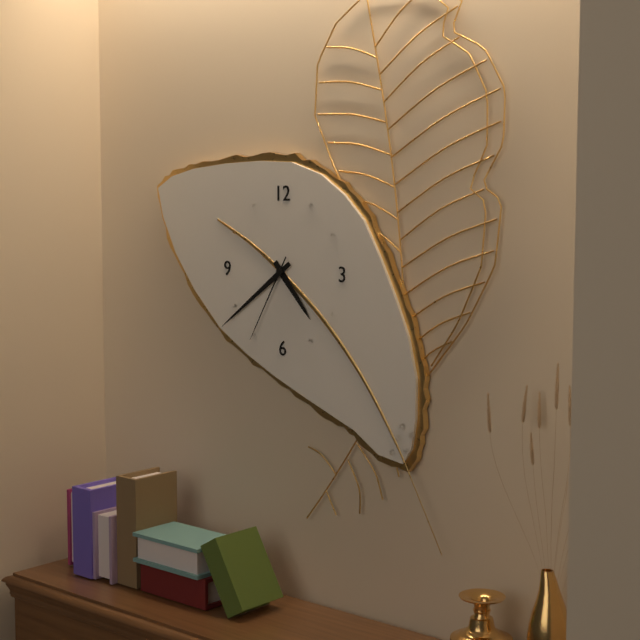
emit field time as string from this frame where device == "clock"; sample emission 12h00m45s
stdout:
4h39m35s
